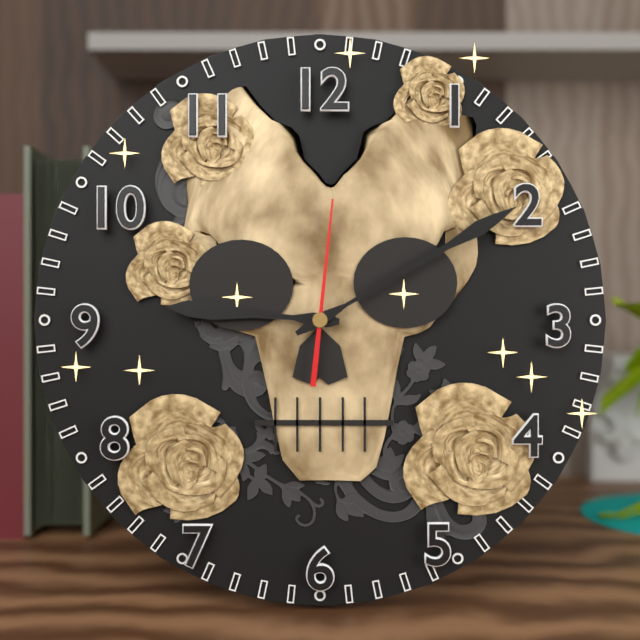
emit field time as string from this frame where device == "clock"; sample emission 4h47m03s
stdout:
9h10m01s
